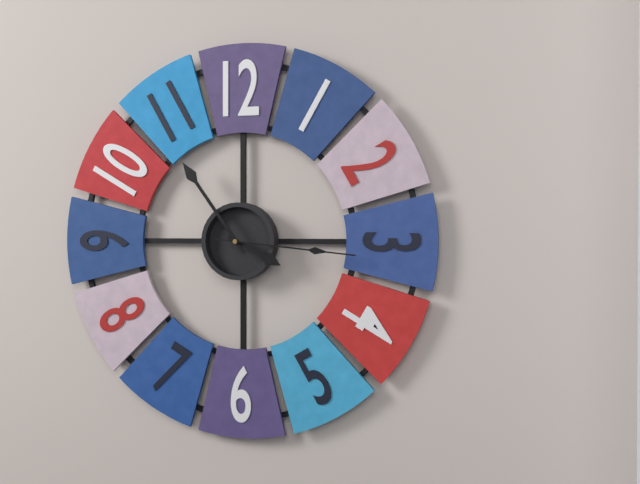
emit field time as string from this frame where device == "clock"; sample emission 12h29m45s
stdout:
3h54m16s
